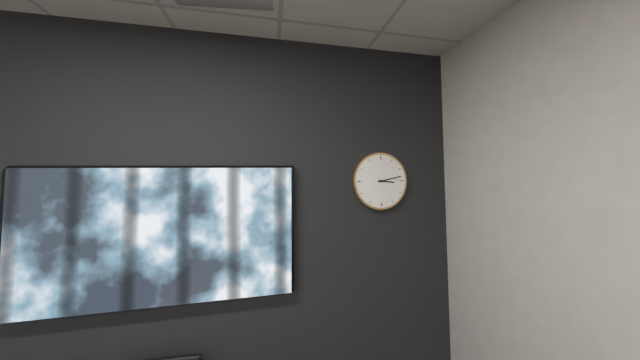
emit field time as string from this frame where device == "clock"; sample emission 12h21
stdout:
3h13
